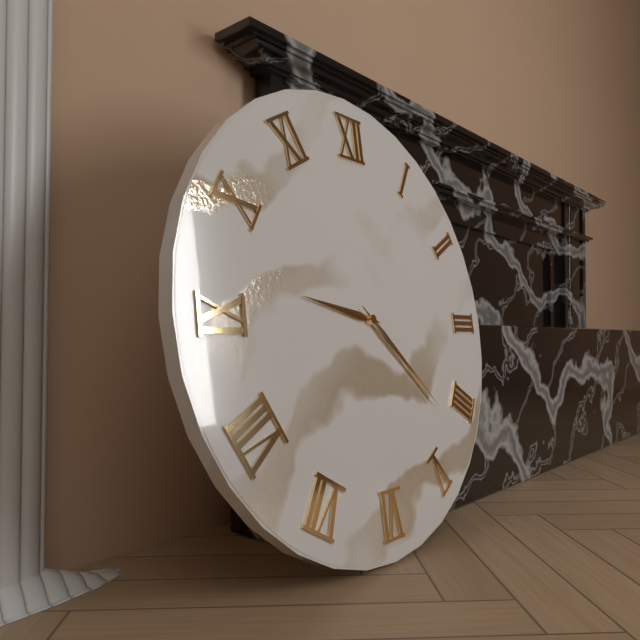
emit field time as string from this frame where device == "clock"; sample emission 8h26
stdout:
9h22
